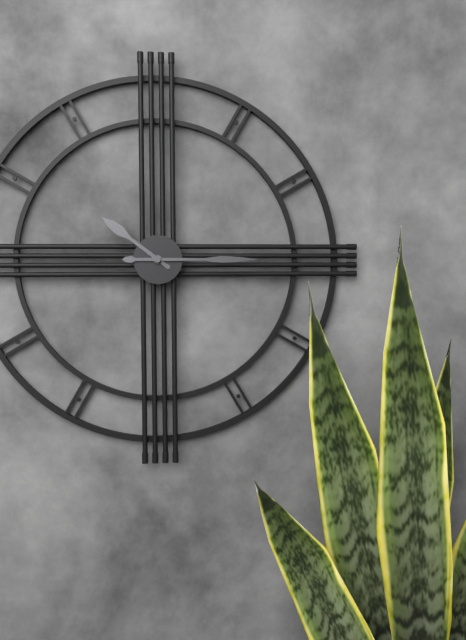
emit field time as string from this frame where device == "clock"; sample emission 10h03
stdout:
10h15
